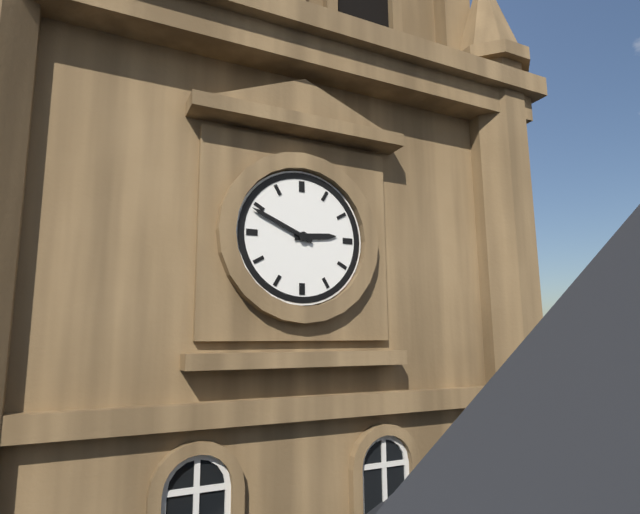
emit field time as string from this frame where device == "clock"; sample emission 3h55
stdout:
2h49
